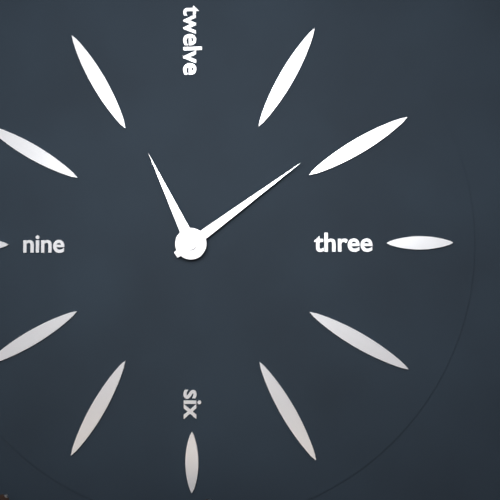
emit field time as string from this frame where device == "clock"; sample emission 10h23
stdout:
11h09
